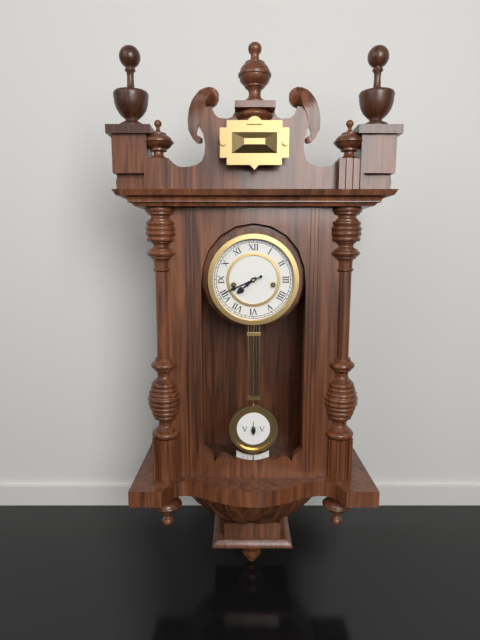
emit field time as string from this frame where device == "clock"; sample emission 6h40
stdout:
7h41
